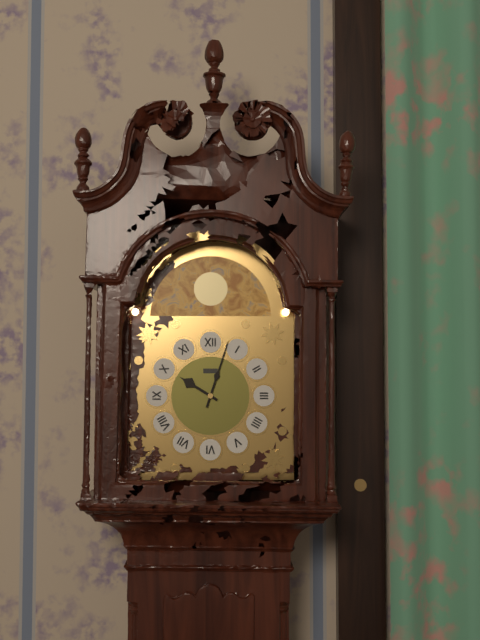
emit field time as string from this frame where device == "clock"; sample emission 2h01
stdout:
10h03
